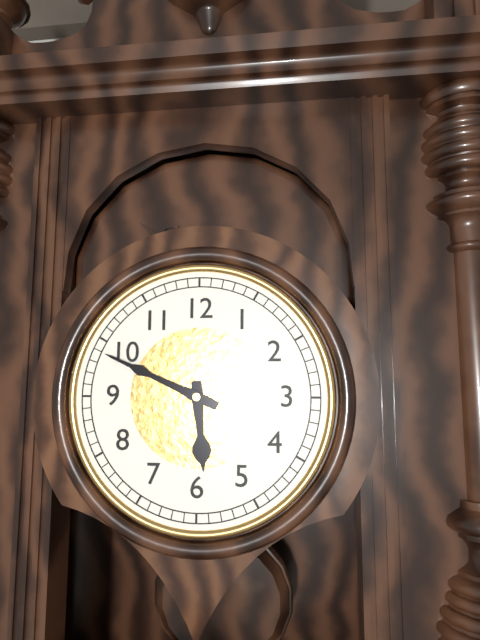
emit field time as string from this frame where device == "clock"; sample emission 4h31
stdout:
5h49
